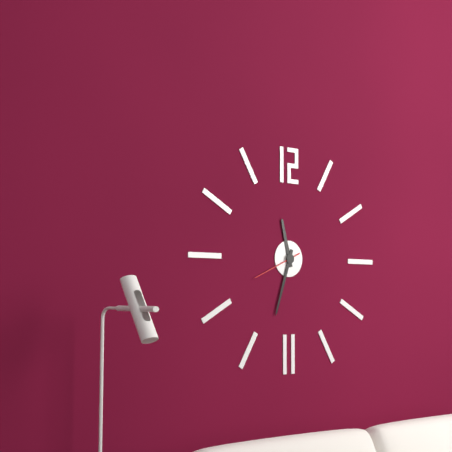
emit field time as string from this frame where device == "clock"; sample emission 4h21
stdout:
11h33
